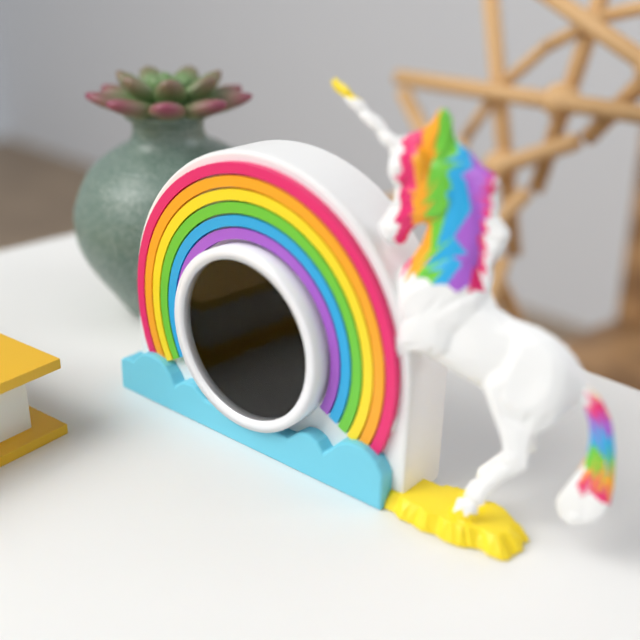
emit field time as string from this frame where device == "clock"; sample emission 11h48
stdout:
7h48
